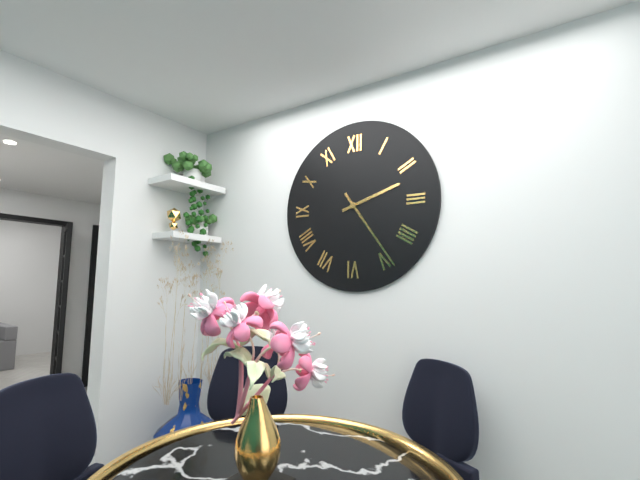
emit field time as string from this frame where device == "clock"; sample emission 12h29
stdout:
2h24
